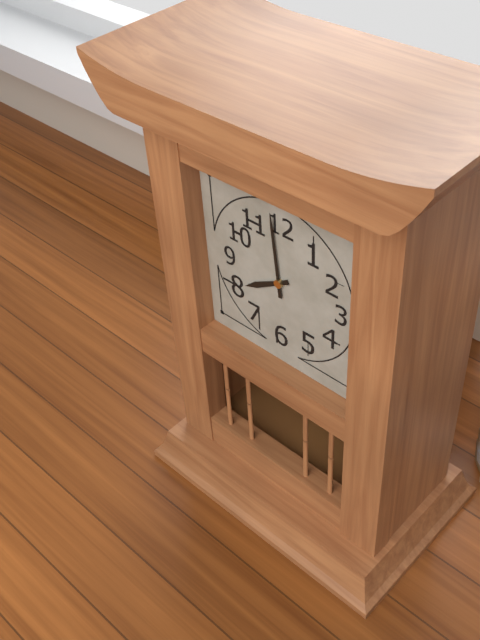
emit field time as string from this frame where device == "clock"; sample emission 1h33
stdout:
7h59
